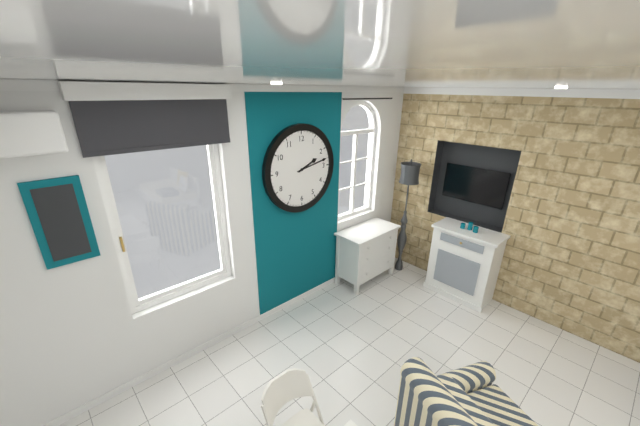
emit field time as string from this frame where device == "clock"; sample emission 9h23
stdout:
2h13
